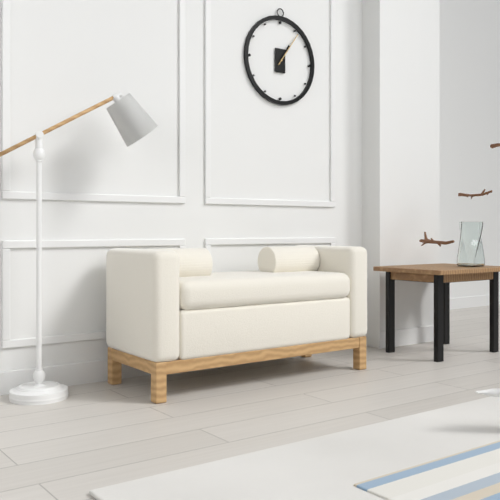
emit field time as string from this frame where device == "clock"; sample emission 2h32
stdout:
1h06
